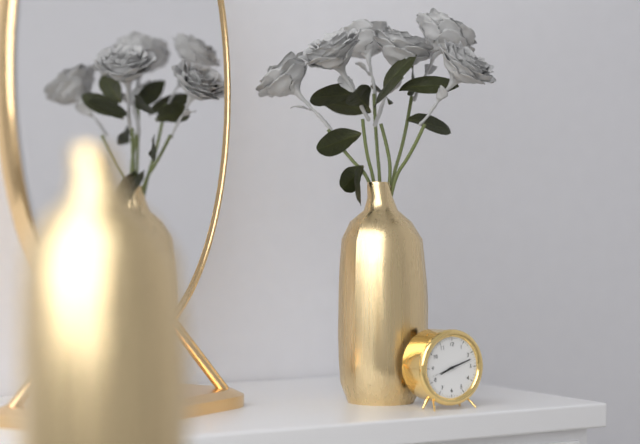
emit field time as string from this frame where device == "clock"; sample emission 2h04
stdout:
8h12
